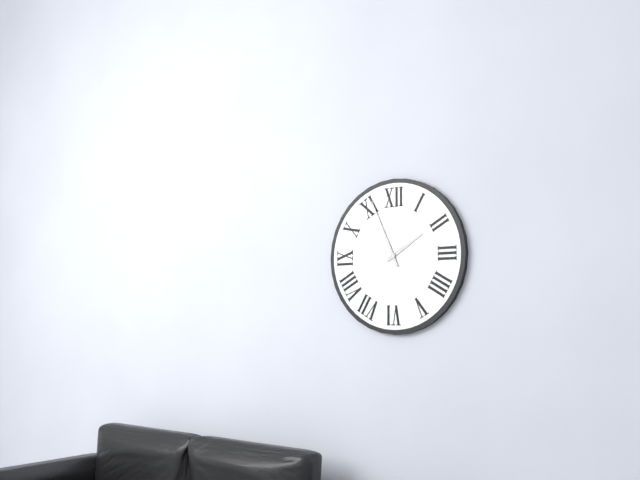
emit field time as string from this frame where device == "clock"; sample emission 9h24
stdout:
1h56
